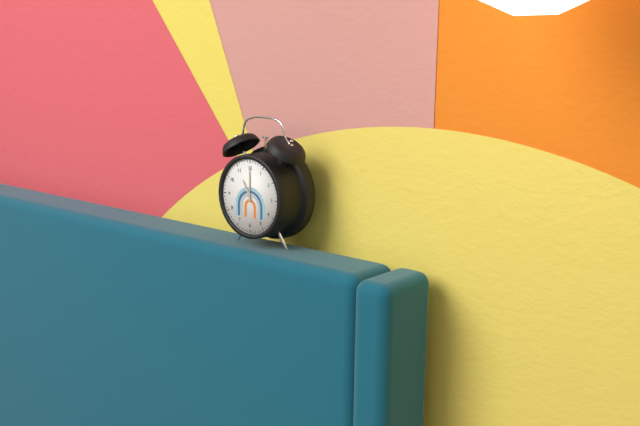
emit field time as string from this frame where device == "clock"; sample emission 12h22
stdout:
11h00
